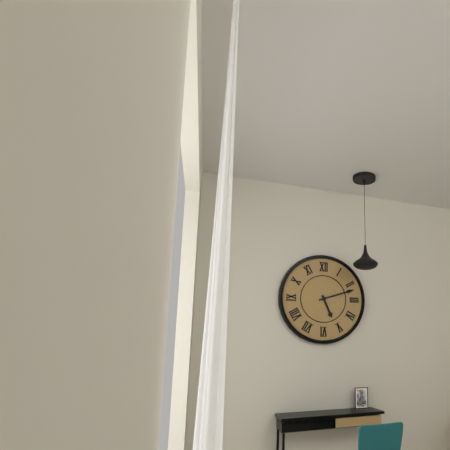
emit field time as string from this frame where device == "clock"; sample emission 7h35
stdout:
5h12
